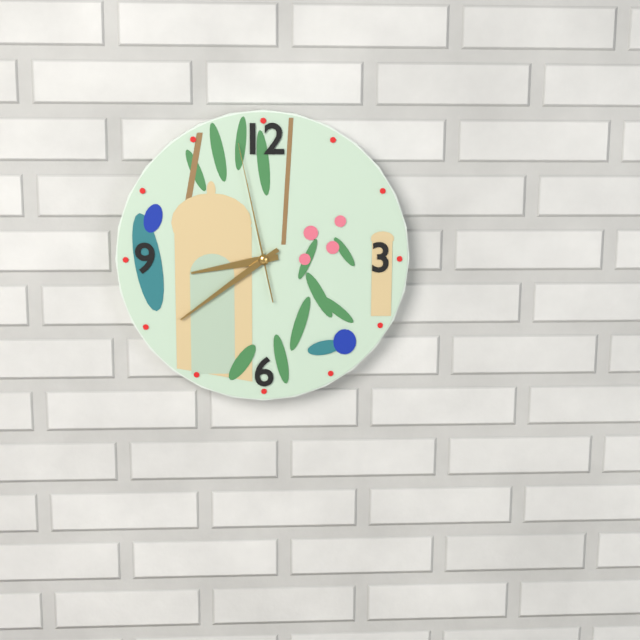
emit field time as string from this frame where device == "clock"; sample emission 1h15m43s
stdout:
8h39m58s
